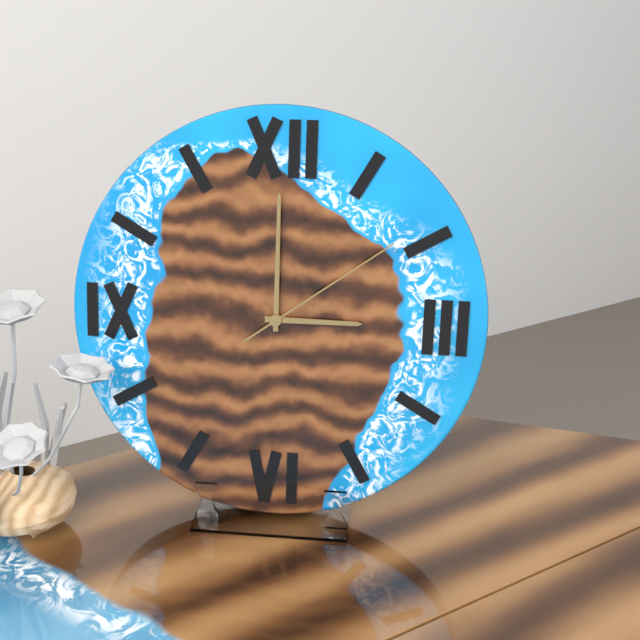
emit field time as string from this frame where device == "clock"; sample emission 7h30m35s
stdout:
3h00m09s
